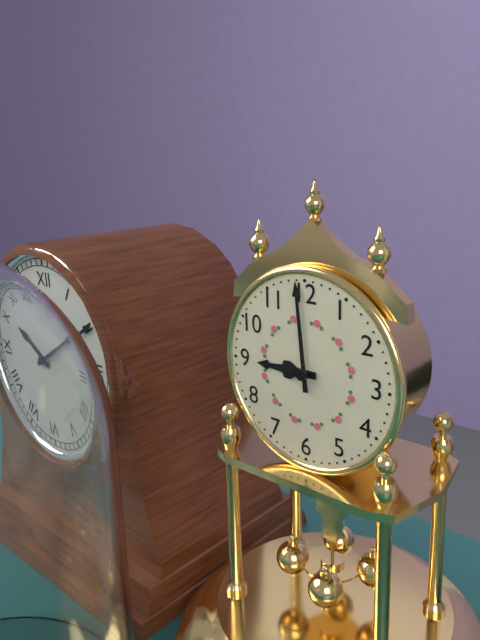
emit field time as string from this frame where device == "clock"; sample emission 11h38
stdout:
8h59
